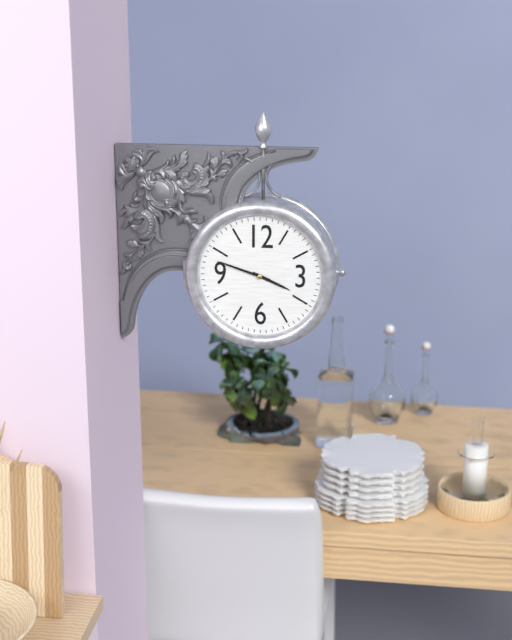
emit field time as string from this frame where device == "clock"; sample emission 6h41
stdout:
3h48
